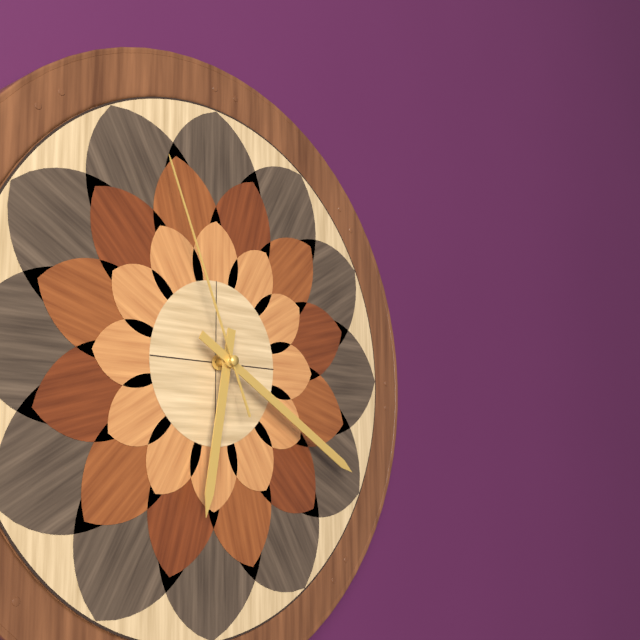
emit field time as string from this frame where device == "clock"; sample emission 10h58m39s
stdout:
6h20m56s
